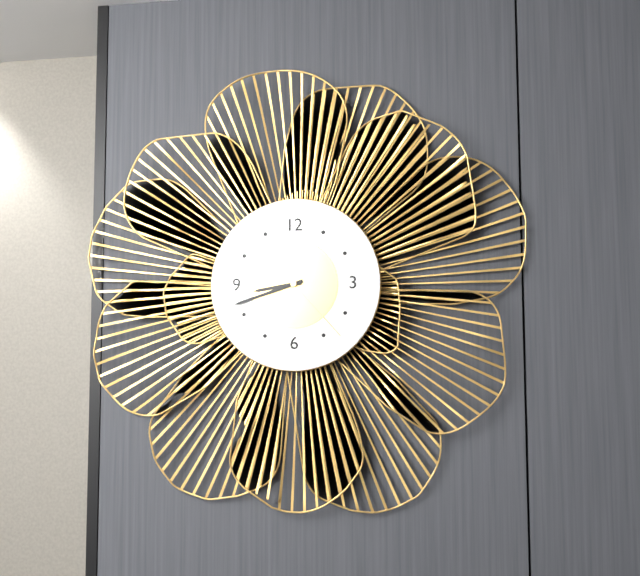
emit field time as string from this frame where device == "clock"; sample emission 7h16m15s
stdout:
8h42m23s
